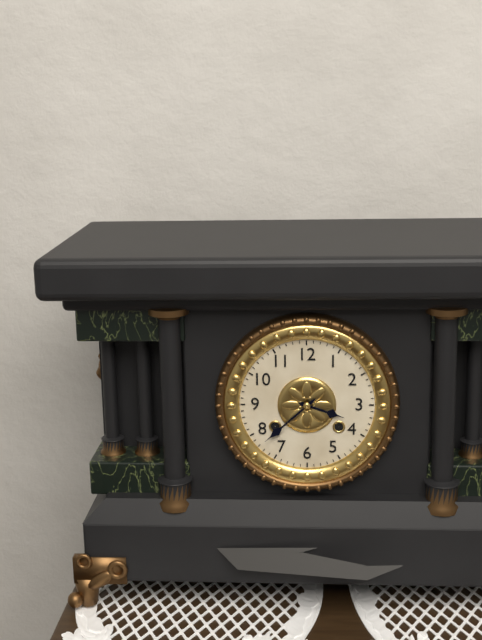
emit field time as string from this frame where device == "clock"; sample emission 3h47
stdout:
3h38
